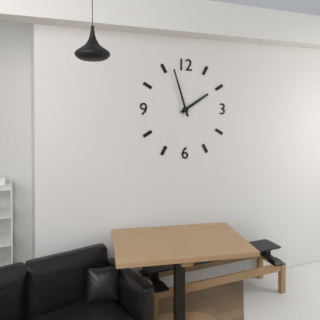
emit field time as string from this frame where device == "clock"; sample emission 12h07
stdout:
1h57
